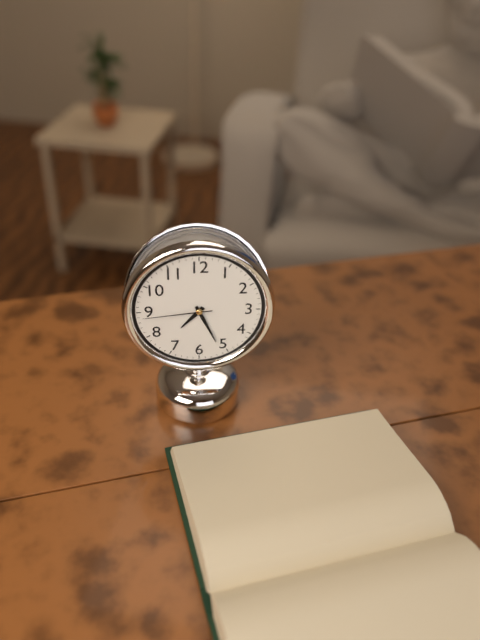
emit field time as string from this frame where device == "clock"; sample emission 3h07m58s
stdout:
7h26m44s
